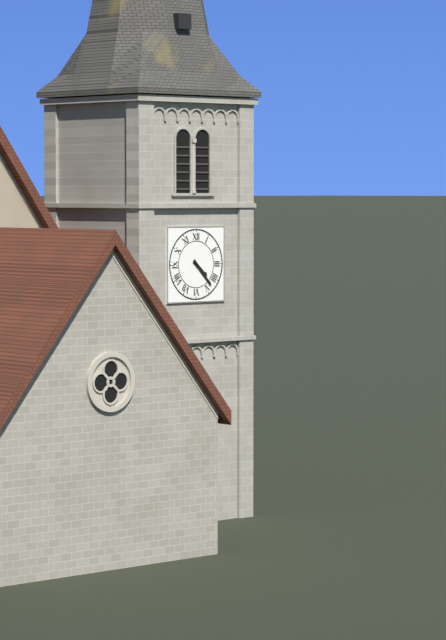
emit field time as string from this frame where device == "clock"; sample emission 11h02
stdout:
4h23
